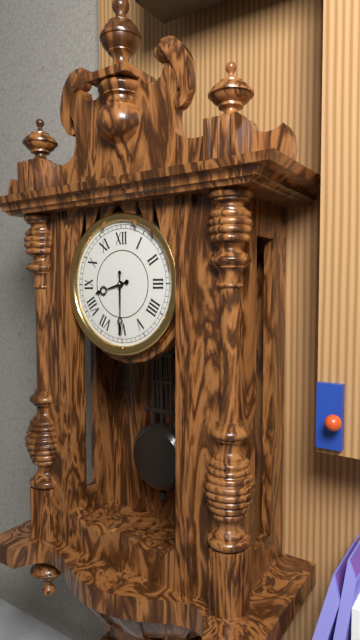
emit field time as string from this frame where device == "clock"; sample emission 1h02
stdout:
8h30
